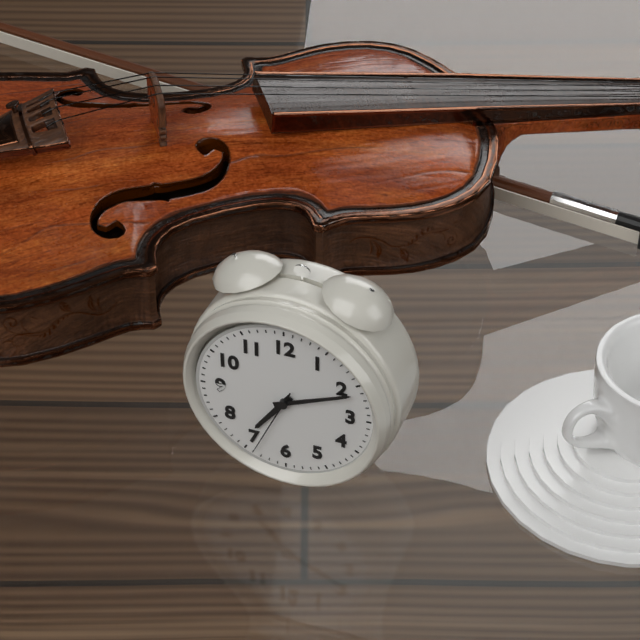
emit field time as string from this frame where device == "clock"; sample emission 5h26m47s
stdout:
7h11m34s
